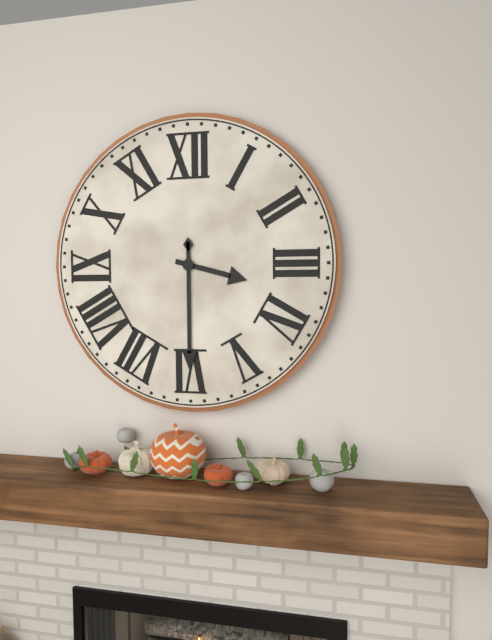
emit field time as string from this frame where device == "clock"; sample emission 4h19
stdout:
3h30
